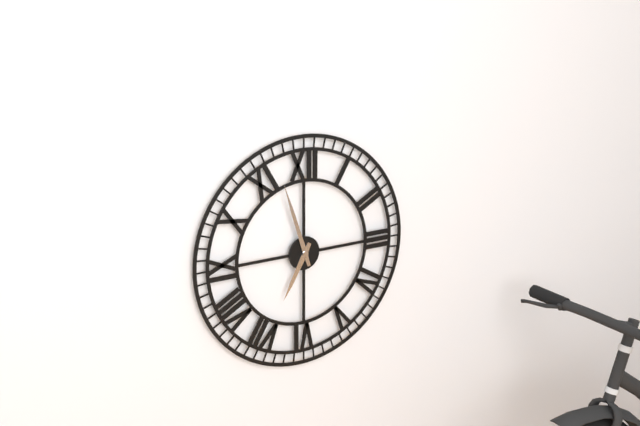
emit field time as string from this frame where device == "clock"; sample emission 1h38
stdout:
6h57
